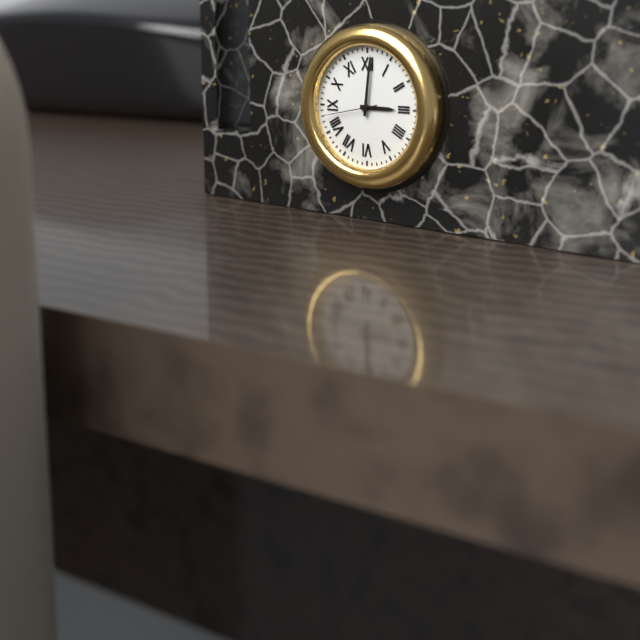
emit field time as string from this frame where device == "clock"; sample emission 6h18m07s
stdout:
3h01m43s
